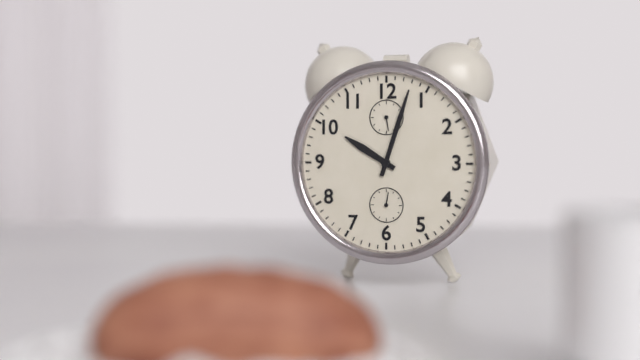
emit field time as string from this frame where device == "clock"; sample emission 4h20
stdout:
10h03
